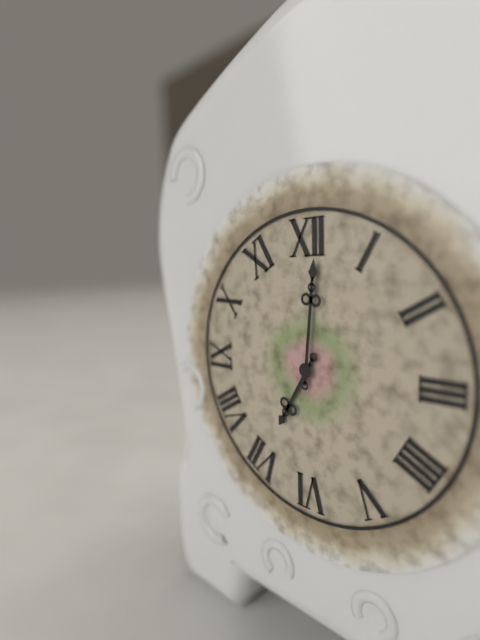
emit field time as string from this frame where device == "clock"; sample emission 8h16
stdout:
7h01
